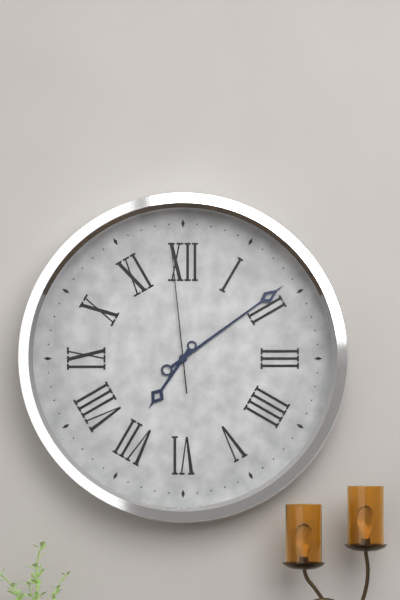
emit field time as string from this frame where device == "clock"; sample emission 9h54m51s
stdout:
7h09m59s
